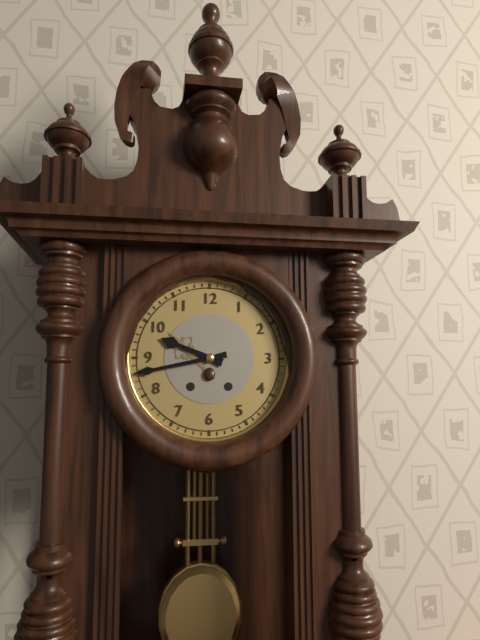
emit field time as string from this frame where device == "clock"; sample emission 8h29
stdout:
9h43
